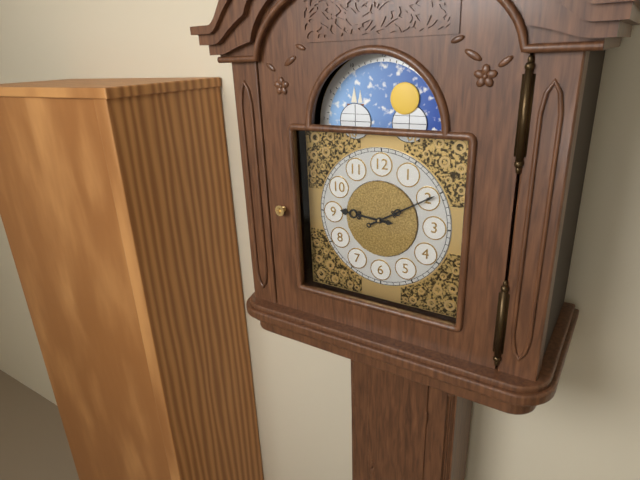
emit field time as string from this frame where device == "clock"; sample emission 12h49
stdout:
9h10
